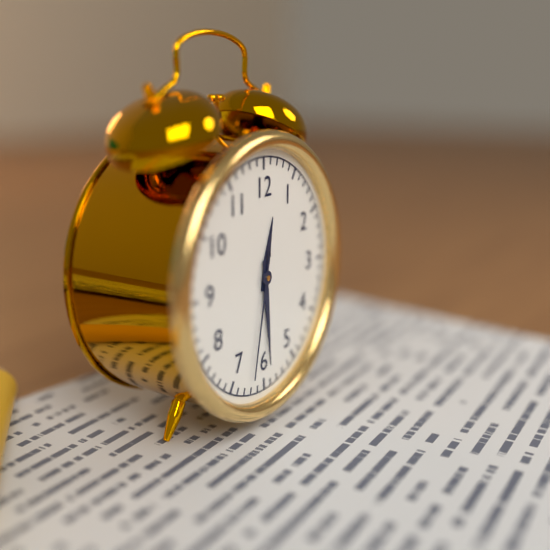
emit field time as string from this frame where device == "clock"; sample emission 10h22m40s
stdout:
12h29m32s
